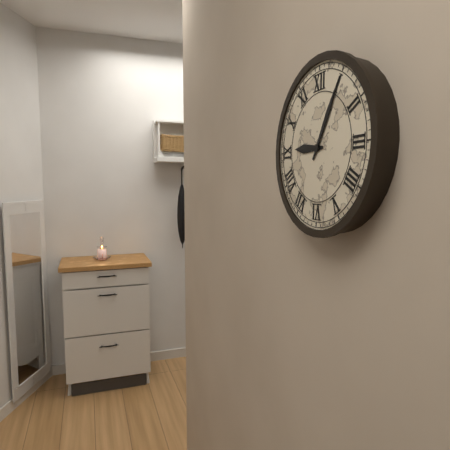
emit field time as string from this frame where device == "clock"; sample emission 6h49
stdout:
9h05
